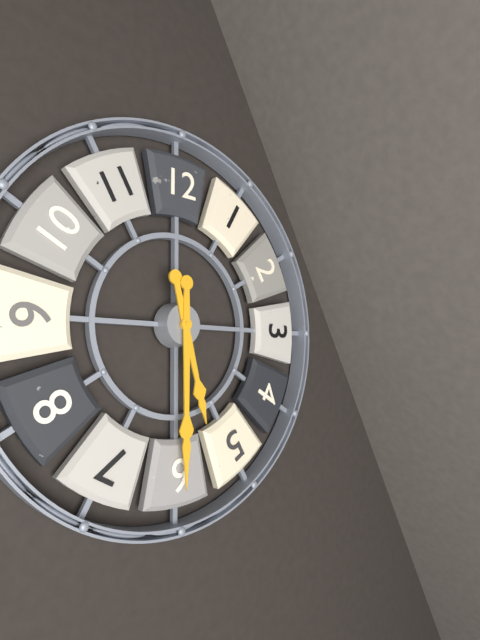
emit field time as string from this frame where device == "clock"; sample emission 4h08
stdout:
5h30
